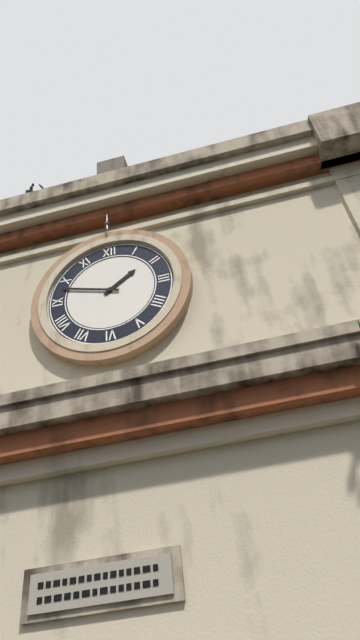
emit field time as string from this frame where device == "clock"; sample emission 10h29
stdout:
1h48
